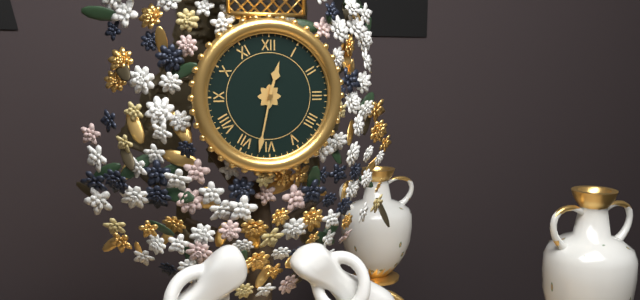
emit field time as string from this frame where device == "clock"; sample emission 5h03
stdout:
12h32
